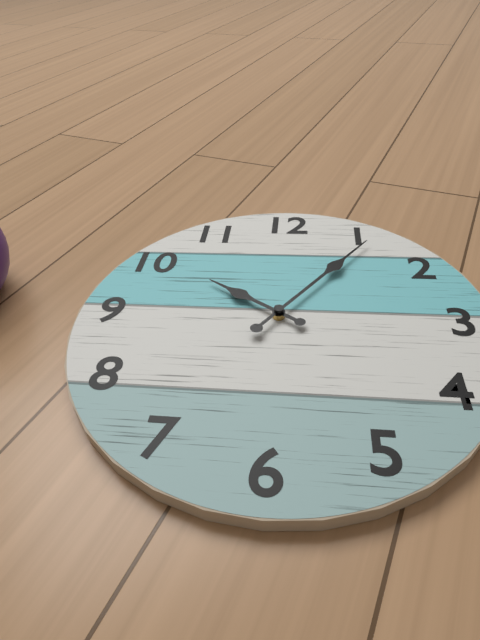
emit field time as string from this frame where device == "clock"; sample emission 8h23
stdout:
10h06
